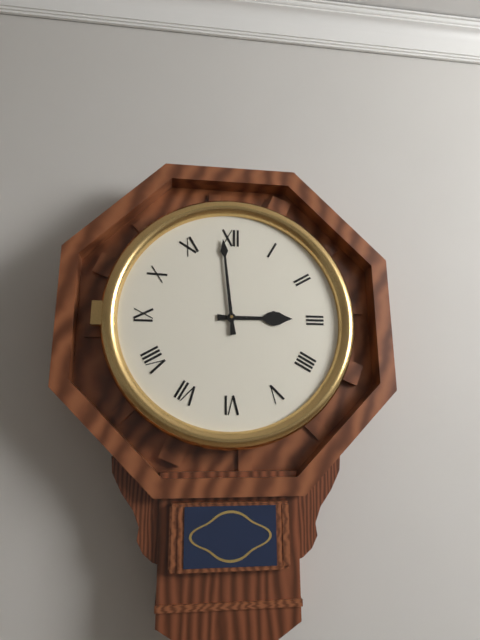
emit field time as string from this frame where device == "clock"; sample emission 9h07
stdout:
2h59
